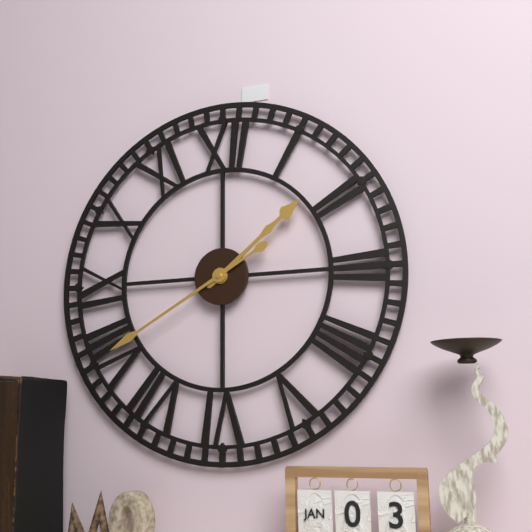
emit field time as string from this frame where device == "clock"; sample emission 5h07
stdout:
1h40
